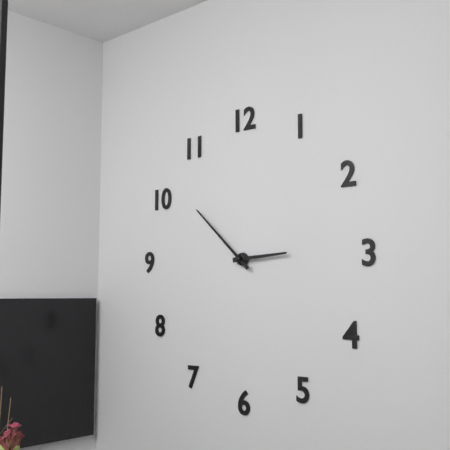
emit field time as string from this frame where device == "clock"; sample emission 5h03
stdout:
2h52
